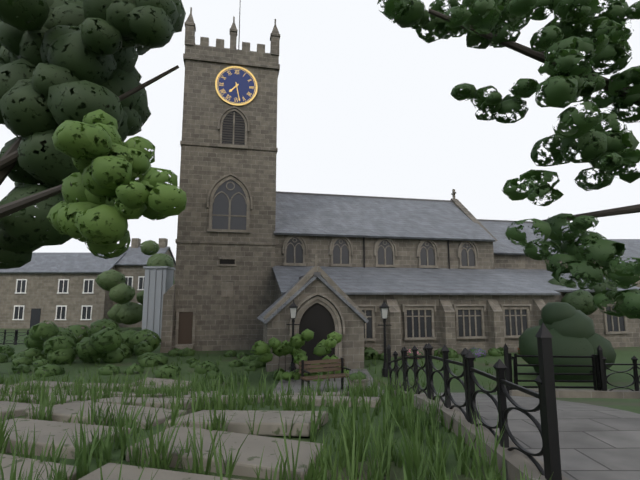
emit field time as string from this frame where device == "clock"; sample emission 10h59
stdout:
7h28
